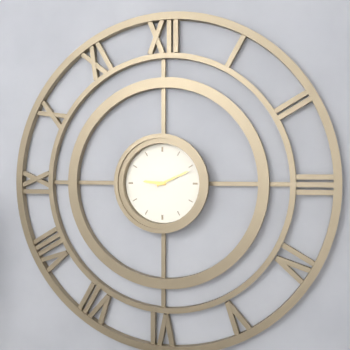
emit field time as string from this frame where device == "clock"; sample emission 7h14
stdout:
9h11
